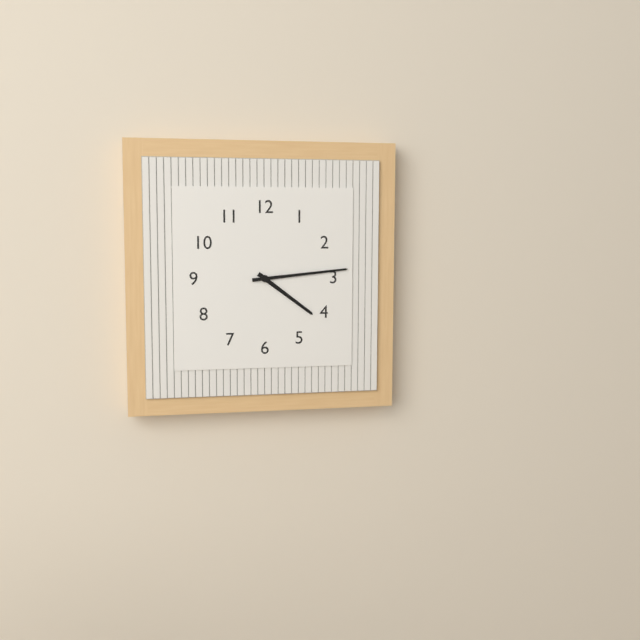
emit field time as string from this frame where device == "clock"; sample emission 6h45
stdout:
4h14
